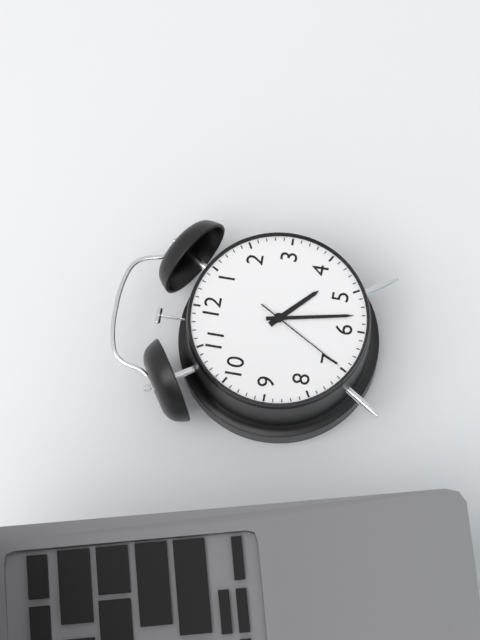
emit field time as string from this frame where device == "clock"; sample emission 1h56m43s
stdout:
4h28m35s
